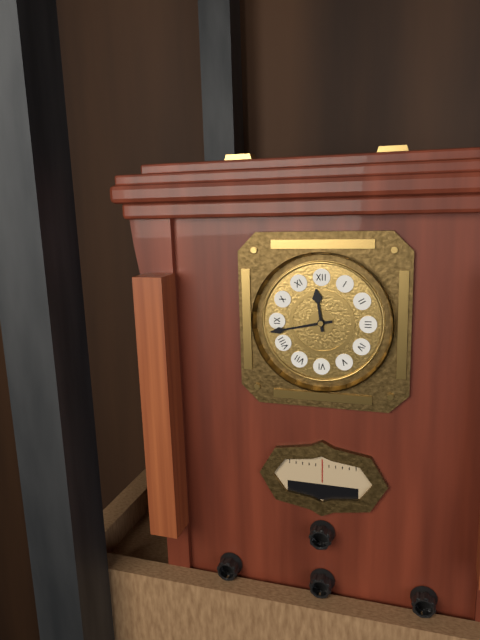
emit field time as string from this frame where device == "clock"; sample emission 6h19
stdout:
11h43
